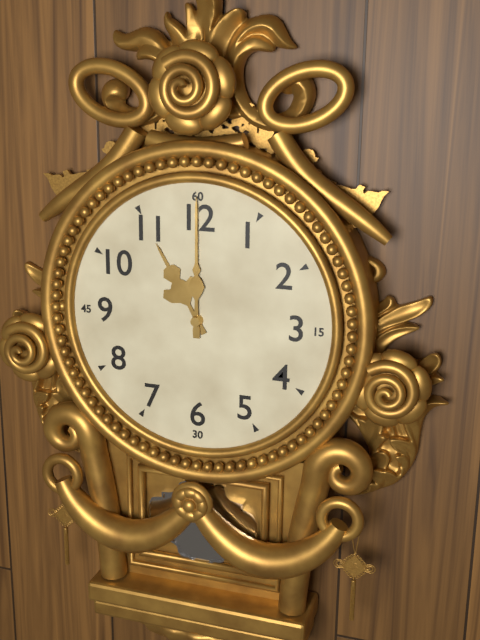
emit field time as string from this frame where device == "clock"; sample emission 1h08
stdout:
11h00
